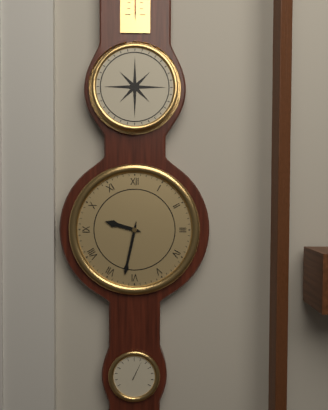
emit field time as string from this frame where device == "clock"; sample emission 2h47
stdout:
9h32
